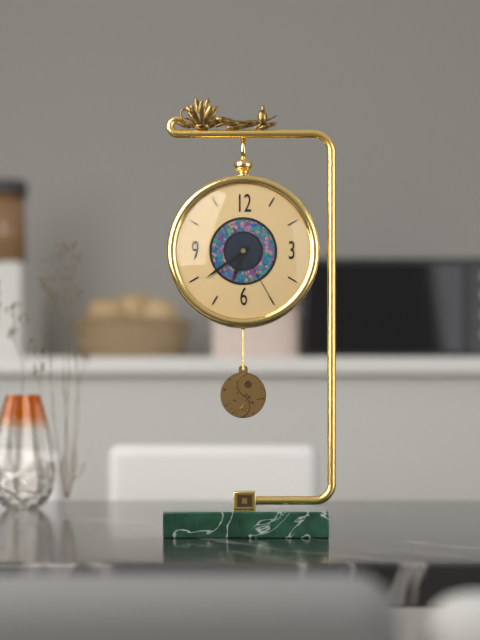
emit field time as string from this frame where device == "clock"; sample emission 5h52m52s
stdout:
6h39m25s
